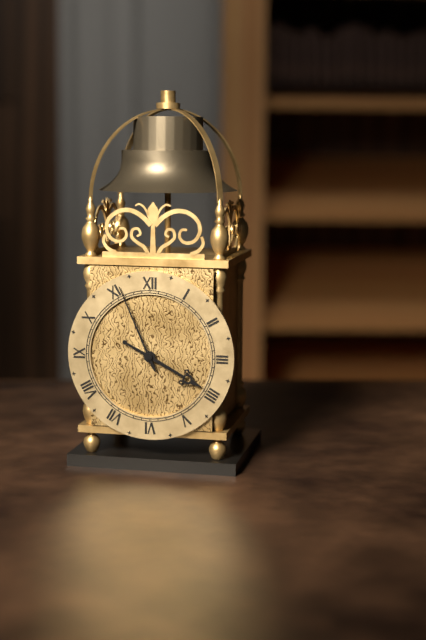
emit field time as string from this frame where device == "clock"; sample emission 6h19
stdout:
3h56
